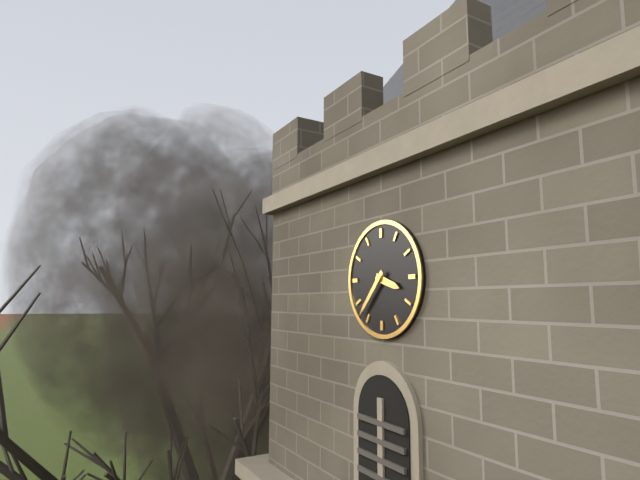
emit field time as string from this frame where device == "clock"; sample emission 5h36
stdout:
3h37
